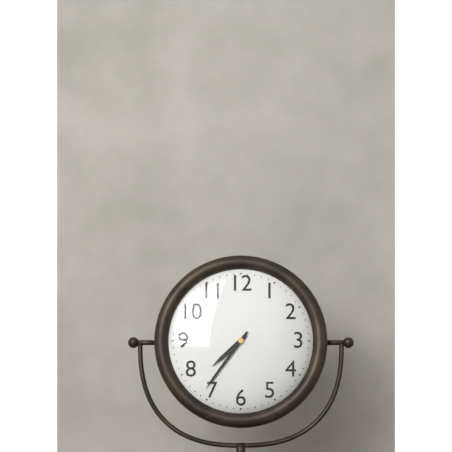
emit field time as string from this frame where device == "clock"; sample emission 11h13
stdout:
7h36
